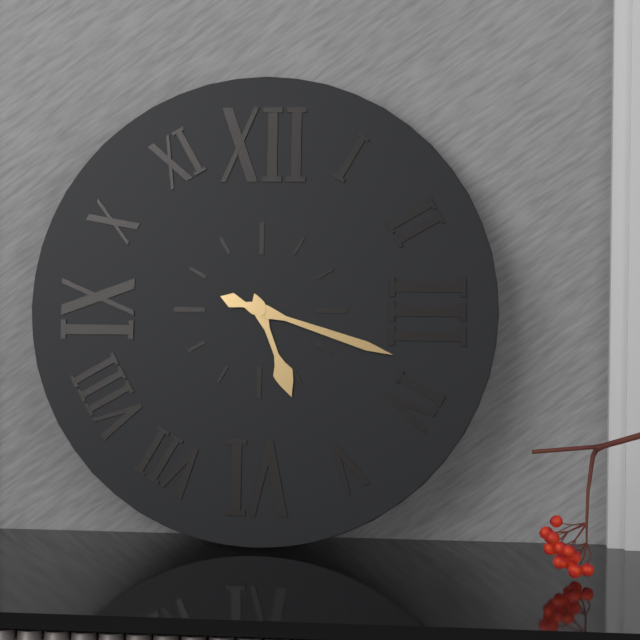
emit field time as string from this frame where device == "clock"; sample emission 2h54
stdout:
5h18
